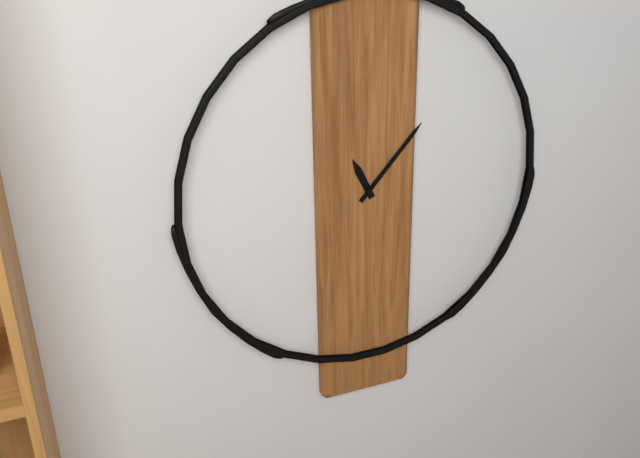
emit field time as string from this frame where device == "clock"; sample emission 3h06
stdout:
11h07
